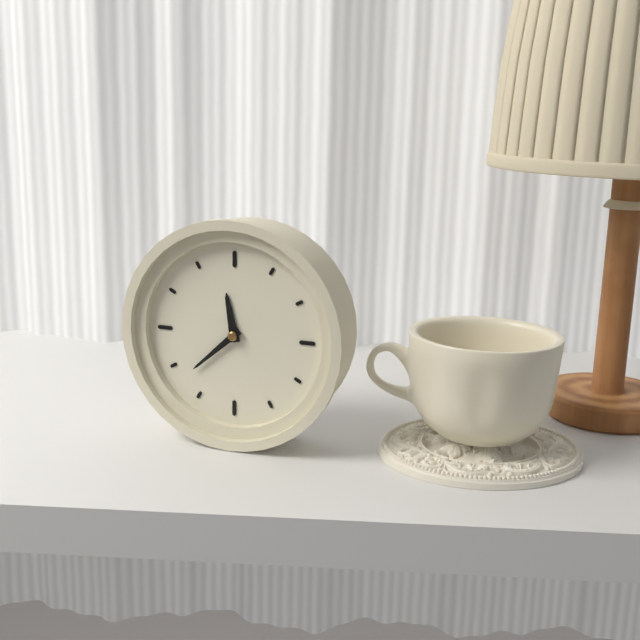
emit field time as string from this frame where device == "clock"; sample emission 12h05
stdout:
11h38
